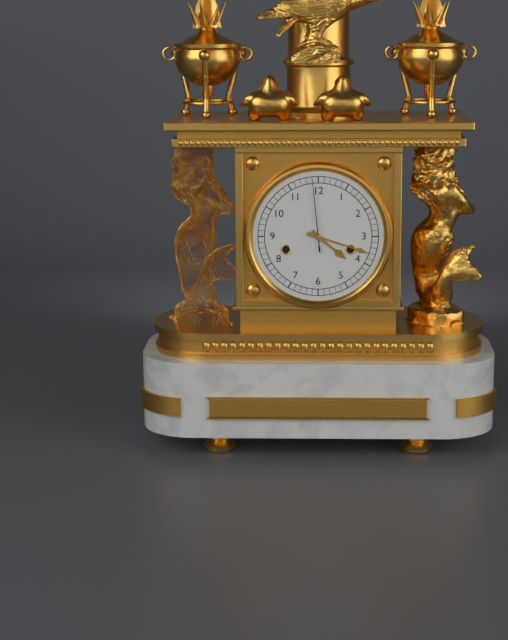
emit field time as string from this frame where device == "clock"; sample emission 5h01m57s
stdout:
4h18m59s
